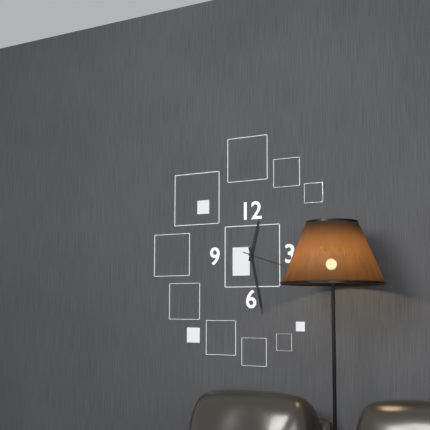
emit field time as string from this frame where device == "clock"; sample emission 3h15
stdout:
12h28
